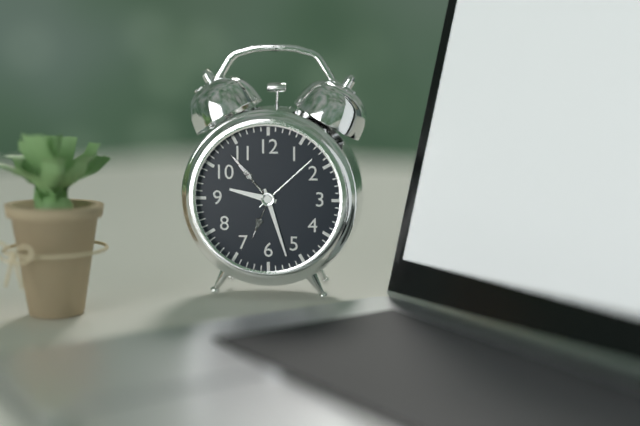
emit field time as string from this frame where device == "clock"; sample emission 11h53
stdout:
9h27
